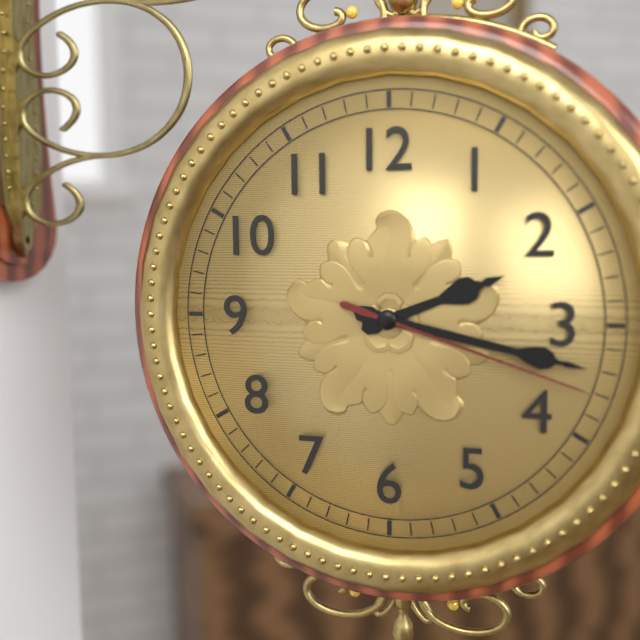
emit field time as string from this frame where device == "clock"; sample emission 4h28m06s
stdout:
2h17m18s
